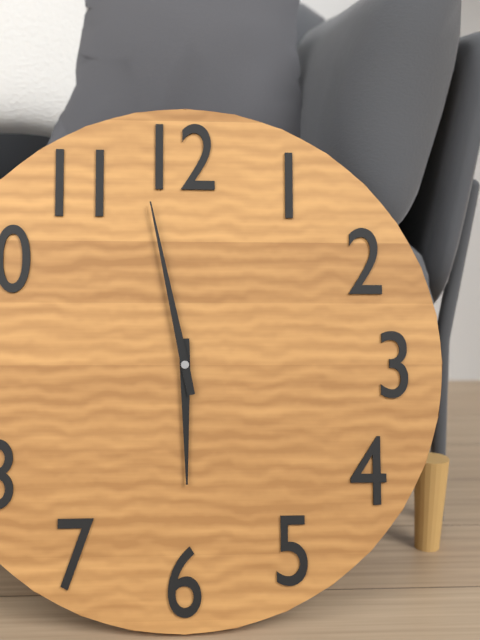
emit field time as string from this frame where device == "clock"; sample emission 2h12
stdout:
5h58
